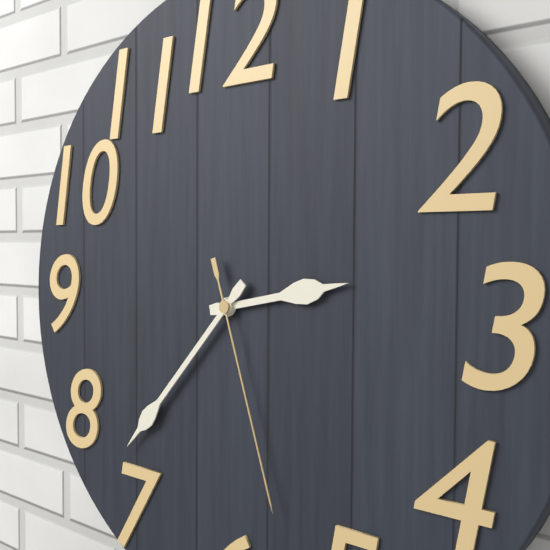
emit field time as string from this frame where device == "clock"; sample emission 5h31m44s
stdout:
2h37m27s
